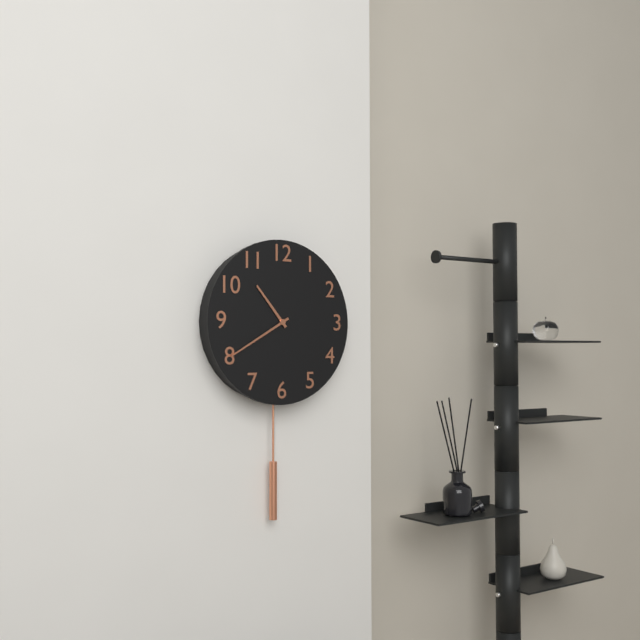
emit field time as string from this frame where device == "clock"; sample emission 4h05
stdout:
10h40
